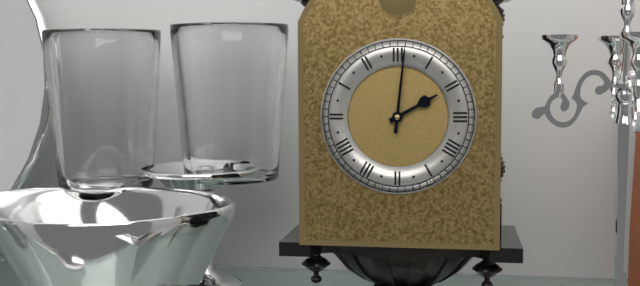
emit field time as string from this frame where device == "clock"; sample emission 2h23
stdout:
2h01
